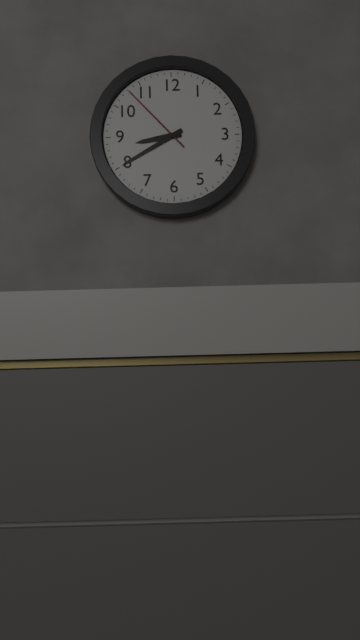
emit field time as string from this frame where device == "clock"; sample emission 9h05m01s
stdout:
8h40m53s
